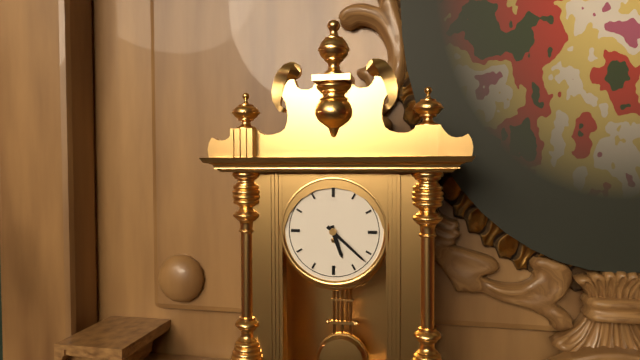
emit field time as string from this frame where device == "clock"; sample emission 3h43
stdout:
5h22
